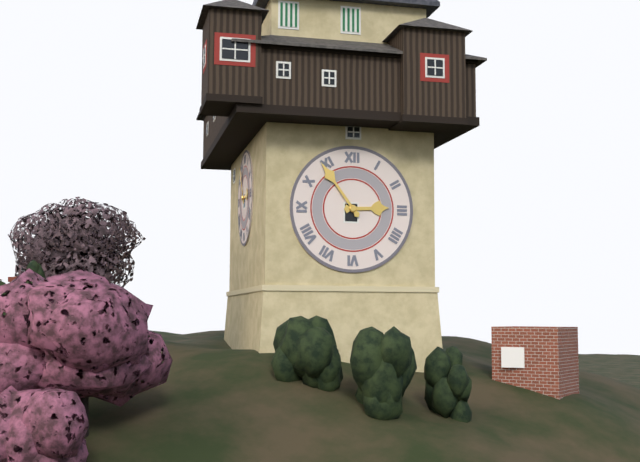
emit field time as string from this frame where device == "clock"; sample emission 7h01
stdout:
2h54
